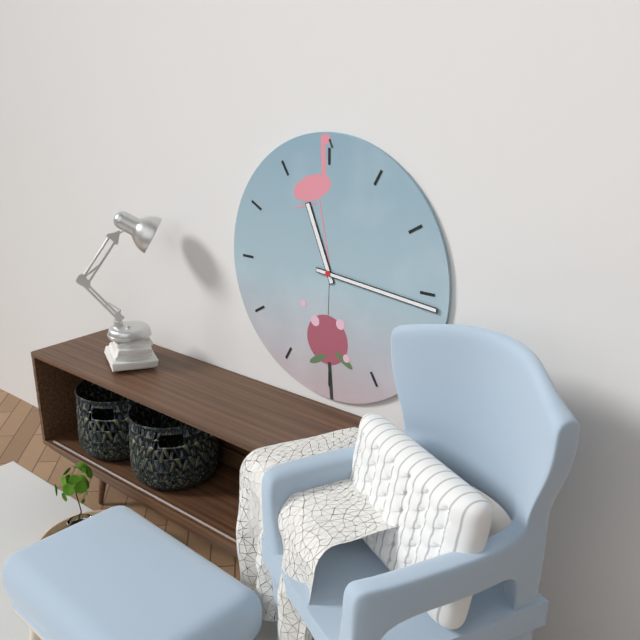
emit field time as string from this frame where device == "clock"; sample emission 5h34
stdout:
11h16
